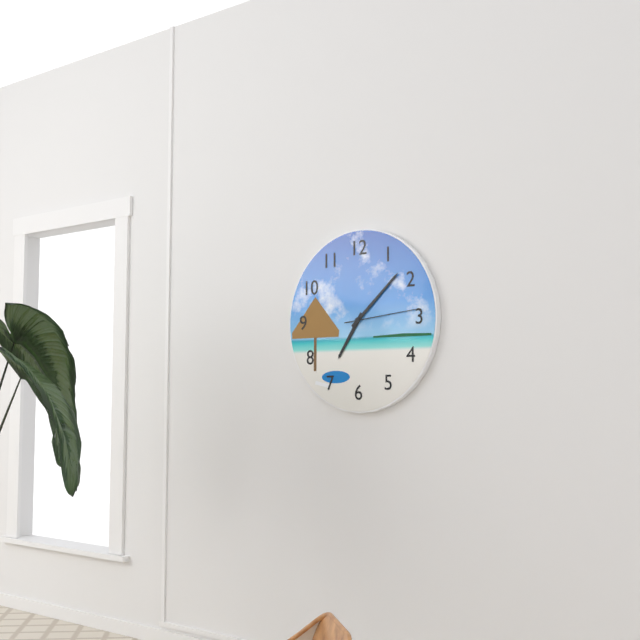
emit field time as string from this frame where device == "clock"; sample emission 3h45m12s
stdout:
7h08m14s
